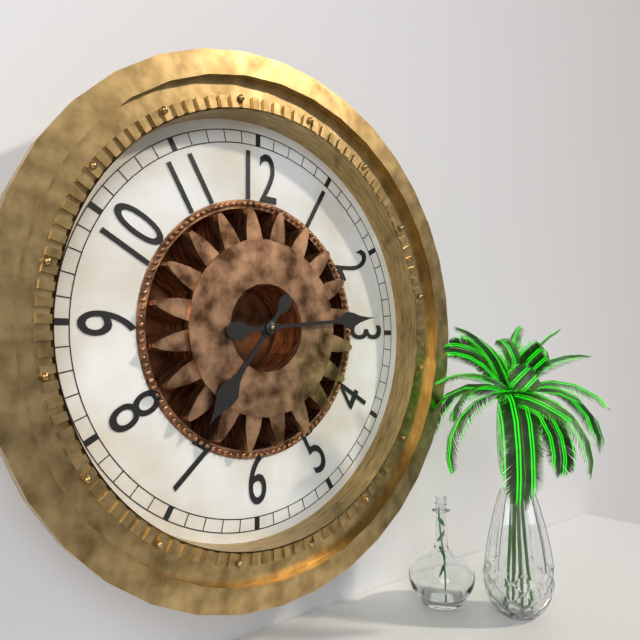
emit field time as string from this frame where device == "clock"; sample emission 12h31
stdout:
7h14
